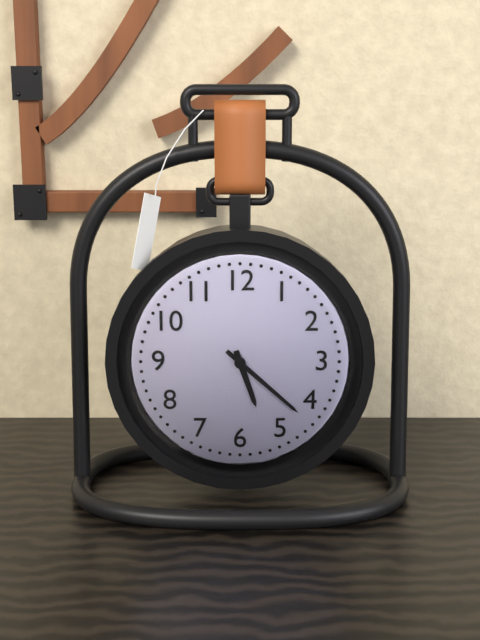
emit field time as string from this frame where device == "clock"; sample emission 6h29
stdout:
5h22
